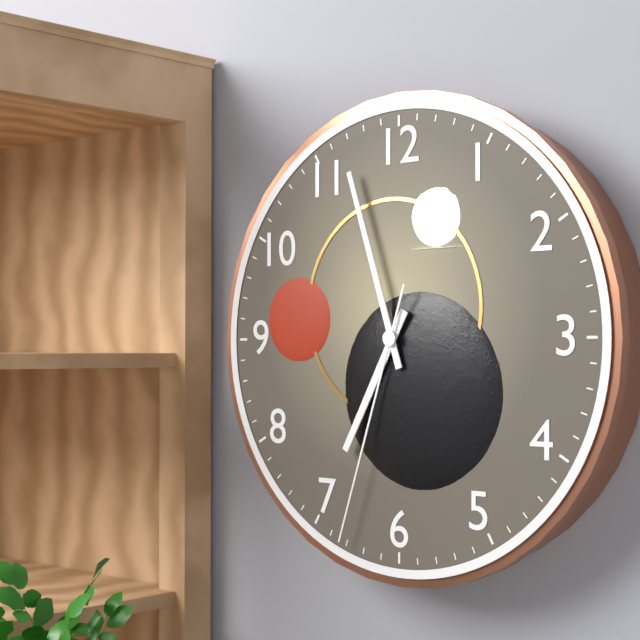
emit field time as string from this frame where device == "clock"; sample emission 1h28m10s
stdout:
6h57m33s
